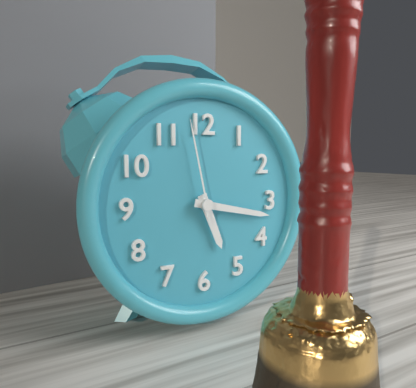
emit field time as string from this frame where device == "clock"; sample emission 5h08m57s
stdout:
5h17m58s
